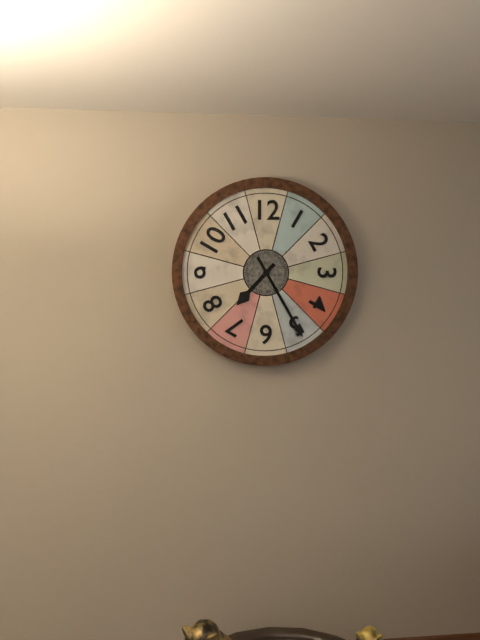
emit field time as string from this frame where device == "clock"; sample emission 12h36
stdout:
7h25
